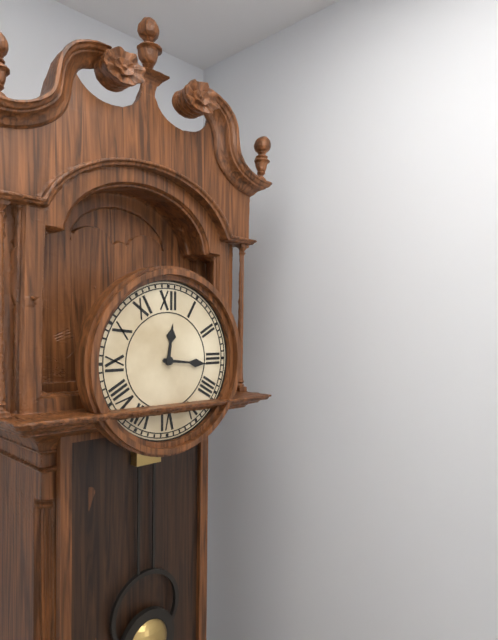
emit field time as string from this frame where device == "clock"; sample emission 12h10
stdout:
12h16
